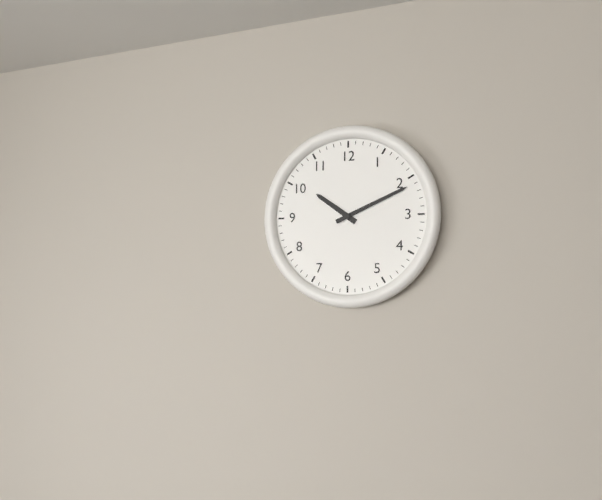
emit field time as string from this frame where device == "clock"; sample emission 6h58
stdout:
10h11
